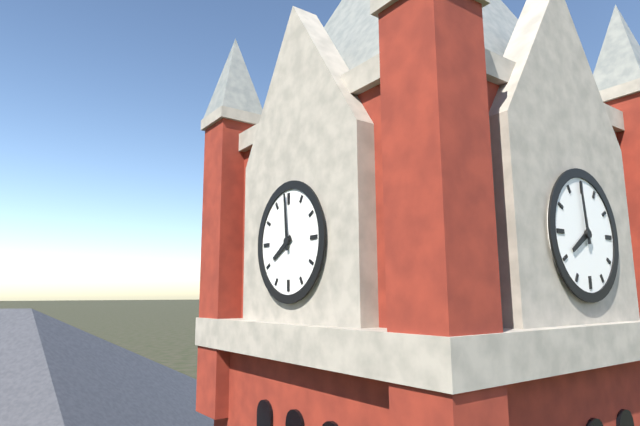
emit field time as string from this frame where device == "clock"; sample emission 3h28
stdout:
7h59
